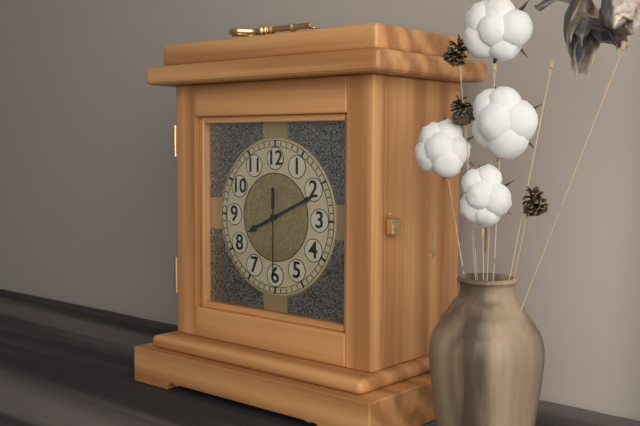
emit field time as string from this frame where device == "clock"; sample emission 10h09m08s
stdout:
8h11m30s
